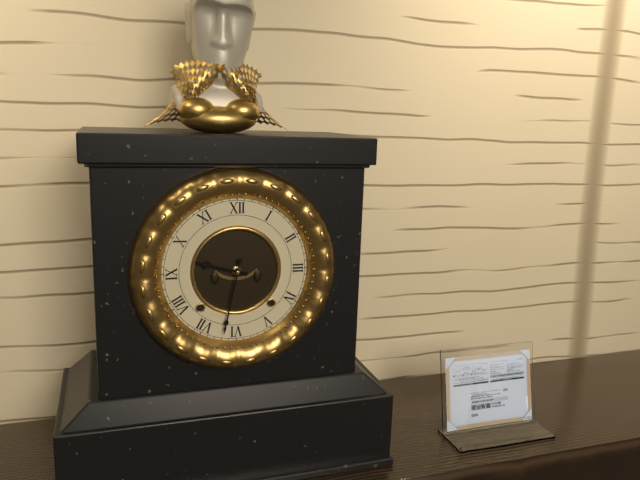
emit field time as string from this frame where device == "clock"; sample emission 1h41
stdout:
9h32
